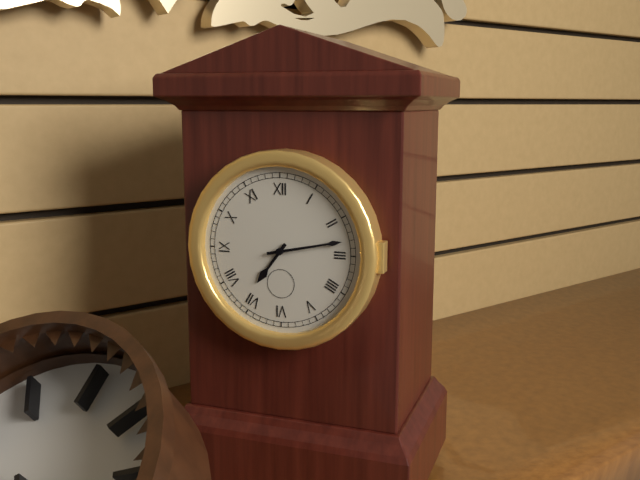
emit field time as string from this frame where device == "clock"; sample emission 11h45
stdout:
7h13
